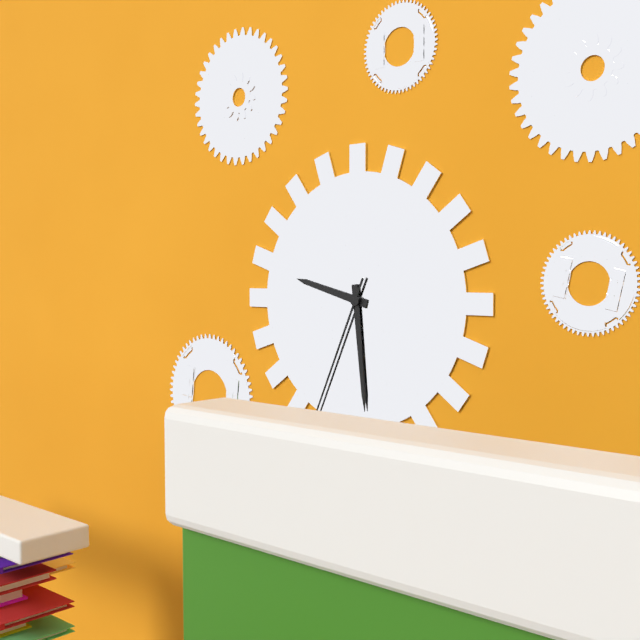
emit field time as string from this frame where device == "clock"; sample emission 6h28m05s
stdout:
9h29m34s
